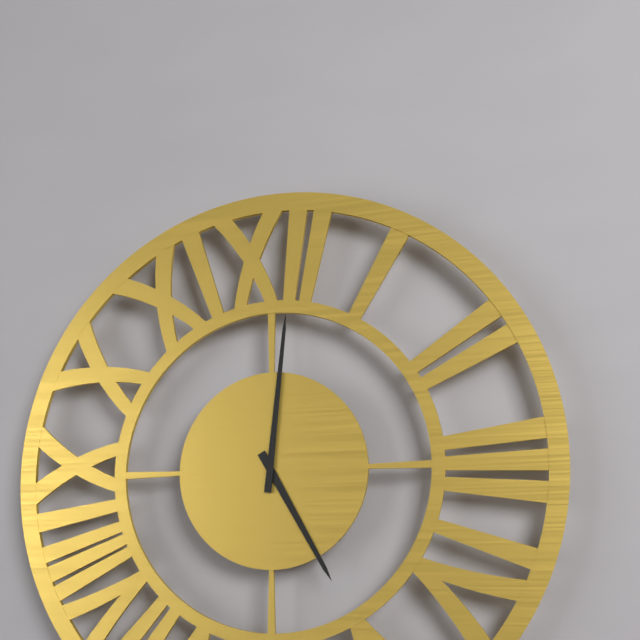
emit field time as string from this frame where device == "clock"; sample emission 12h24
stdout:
5h01
